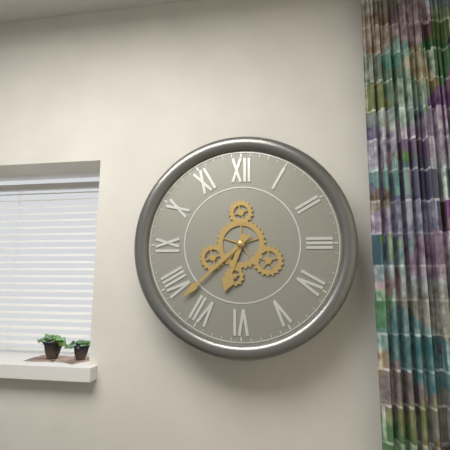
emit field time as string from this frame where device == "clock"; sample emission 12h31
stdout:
6h38
